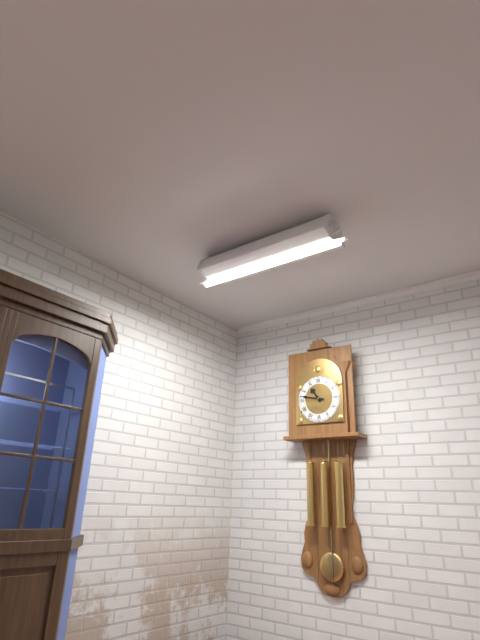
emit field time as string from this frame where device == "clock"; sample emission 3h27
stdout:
10h47
